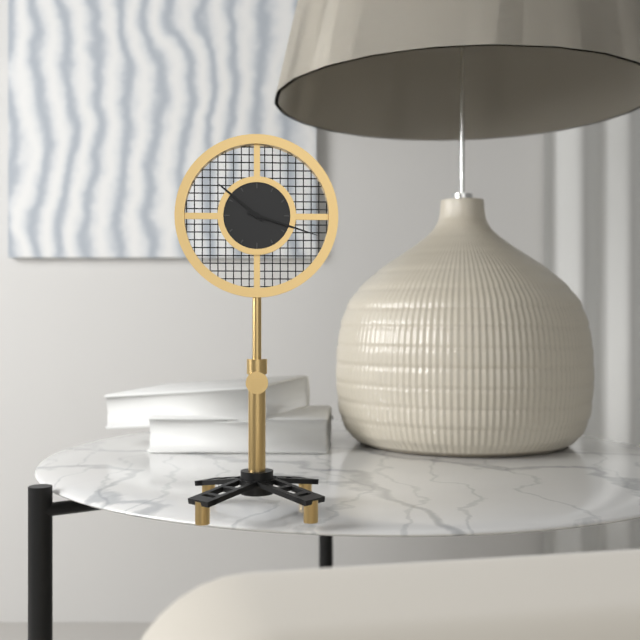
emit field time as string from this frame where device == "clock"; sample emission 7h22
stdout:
10h18
